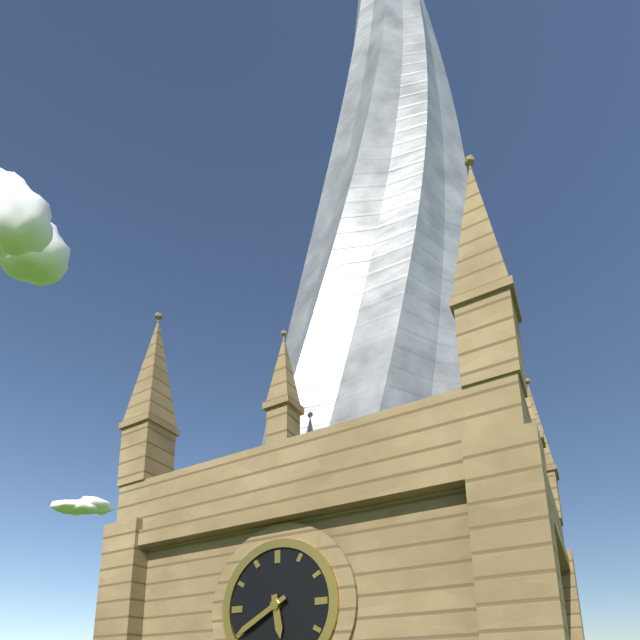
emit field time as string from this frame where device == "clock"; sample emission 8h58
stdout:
5h40
